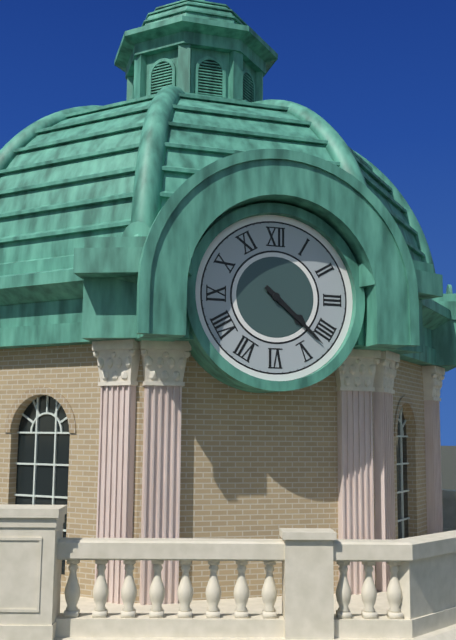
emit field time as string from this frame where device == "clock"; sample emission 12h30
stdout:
4h22
